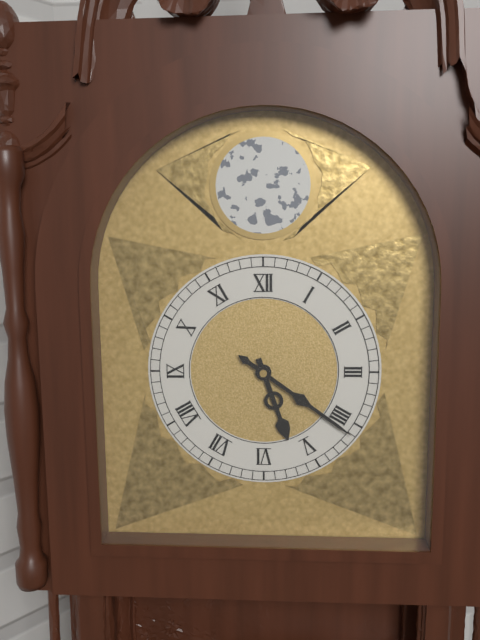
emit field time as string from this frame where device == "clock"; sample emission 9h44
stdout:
5h21
